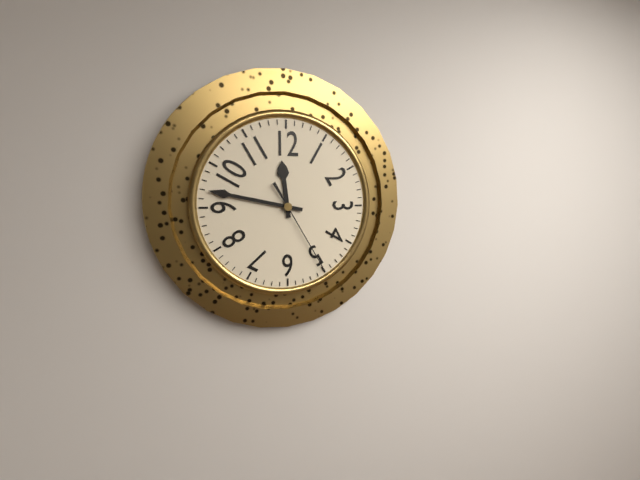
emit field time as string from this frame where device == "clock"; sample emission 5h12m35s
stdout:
11h47m25s
